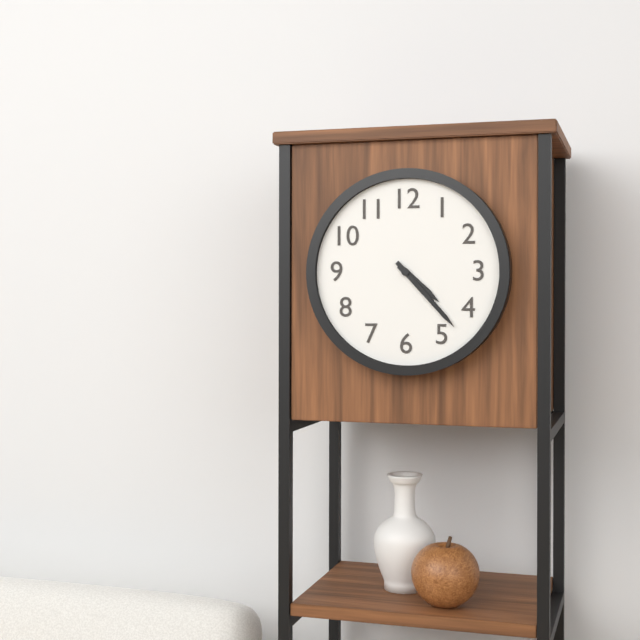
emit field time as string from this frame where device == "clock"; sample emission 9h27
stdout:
4h23
